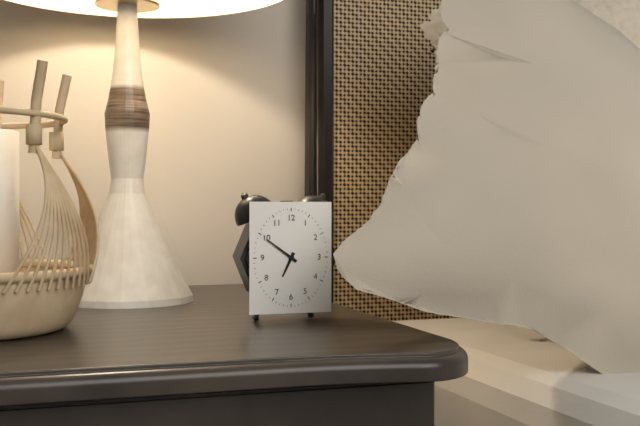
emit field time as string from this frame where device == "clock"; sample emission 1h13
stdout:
6h51
